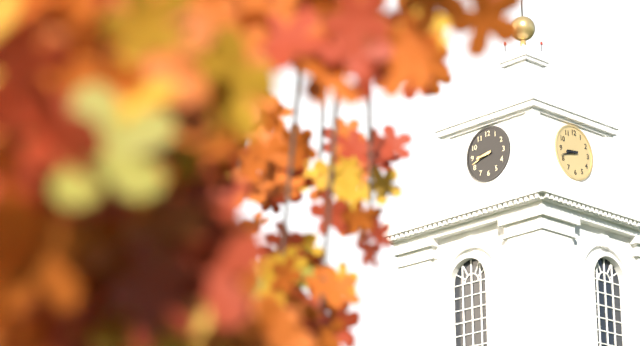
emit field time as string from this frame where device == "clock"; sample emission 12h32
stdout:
8h42
